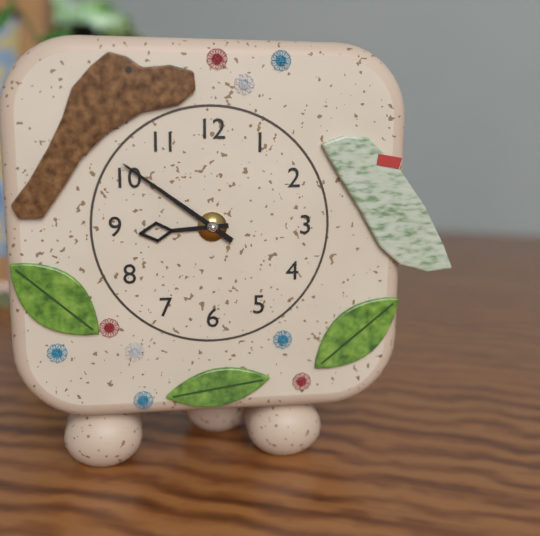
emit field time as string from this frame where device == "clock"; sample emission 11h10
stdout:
8h51
